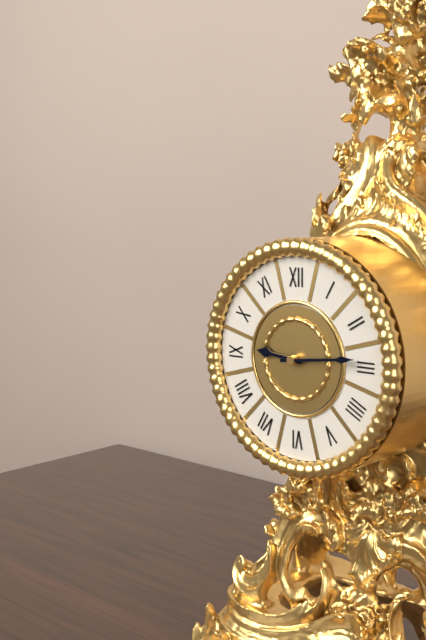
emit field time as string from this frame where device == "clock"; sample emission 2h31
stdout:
9h14
